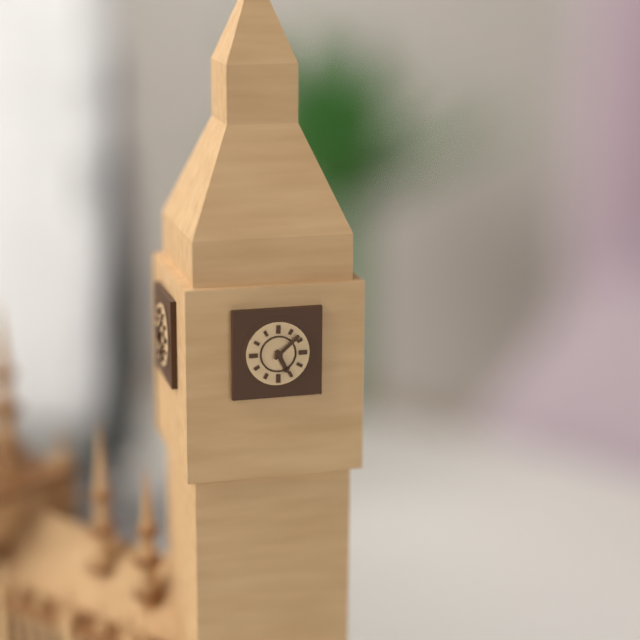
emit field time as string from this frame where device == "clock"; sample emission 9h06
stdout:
5h08
